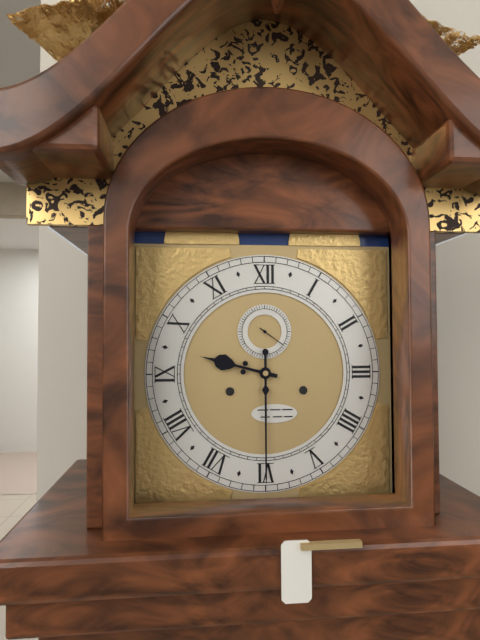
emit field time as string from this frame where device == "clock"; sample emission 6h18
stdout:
9h30
